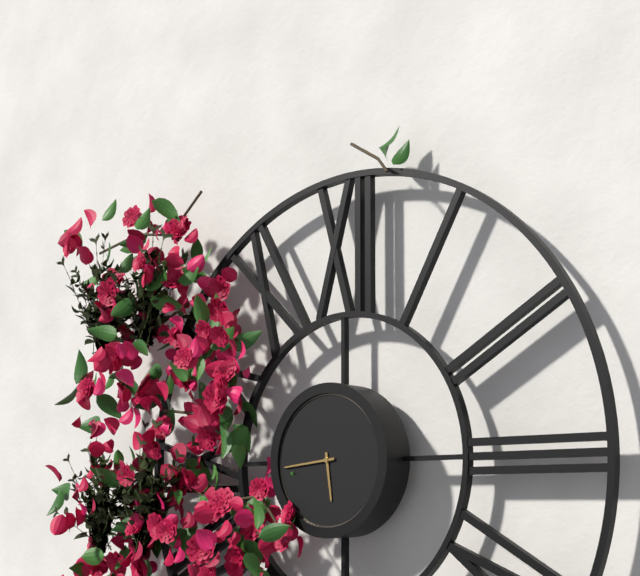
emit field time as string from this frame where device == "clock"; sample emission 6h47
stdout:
5h44
